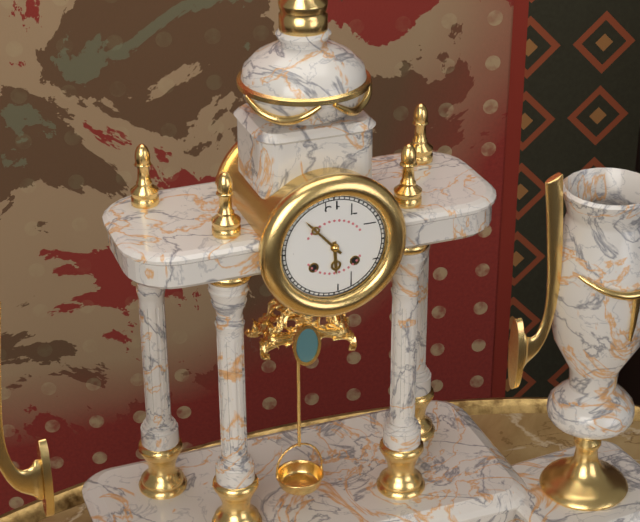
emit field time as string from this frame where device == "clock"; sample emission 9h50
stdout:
5h53
